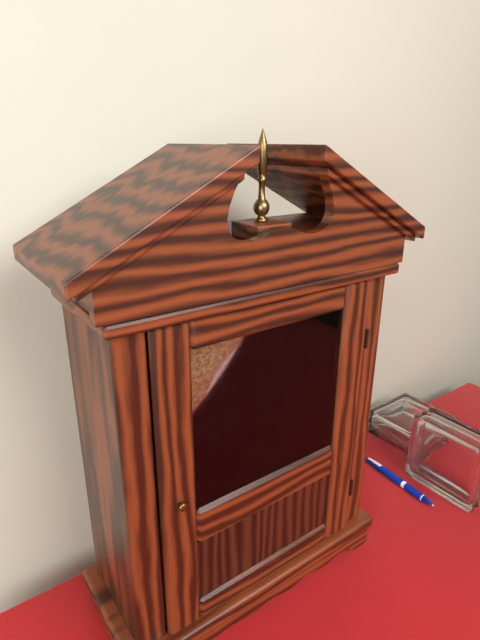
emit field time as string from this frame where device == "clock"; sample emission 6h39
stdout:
9h13
